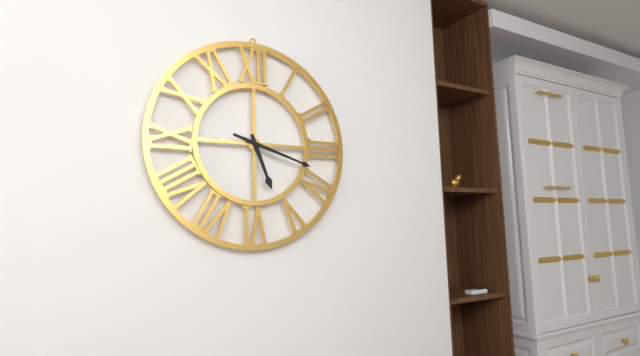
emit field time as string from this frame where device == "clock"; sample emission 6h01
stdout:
5h18
